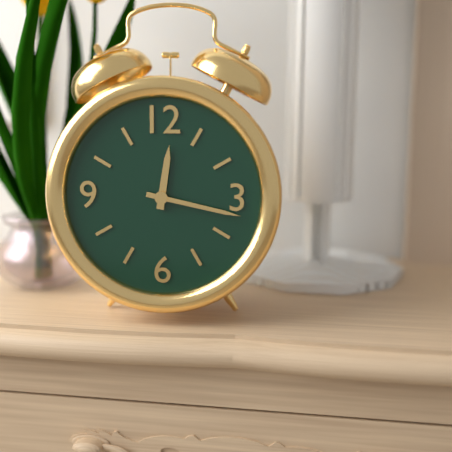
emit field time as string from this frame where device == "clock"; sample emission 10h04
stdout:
12h17
